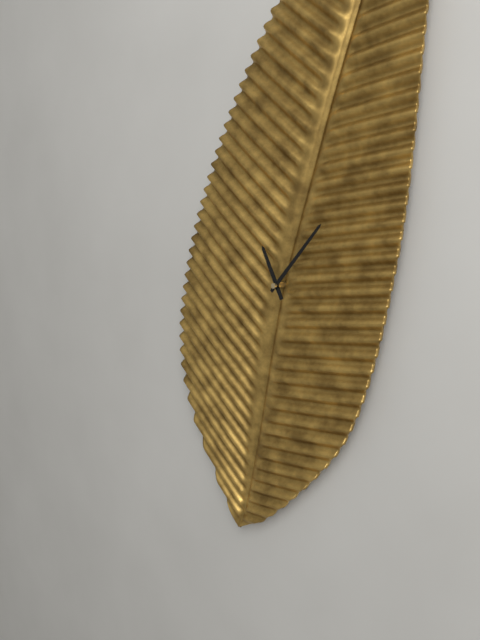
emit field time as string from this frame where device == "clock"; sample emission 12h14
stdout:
11h07
